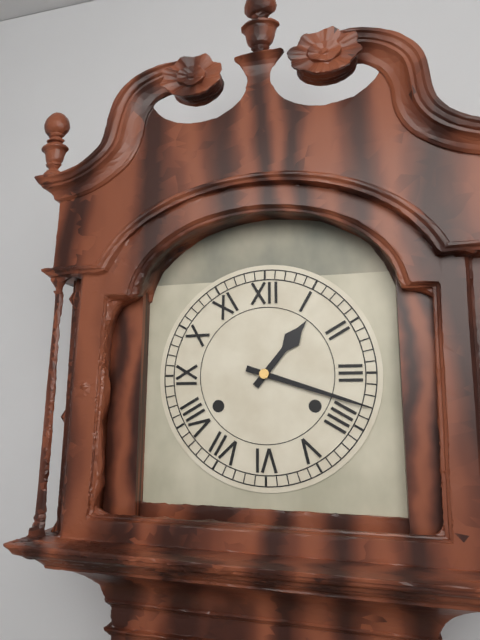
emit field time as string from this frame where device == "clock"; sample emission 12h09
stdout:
1h18
